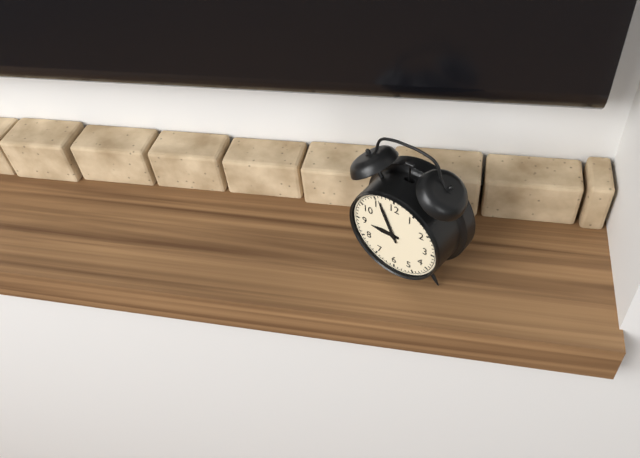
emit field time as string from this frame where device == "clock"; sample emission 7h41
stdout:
8h56
